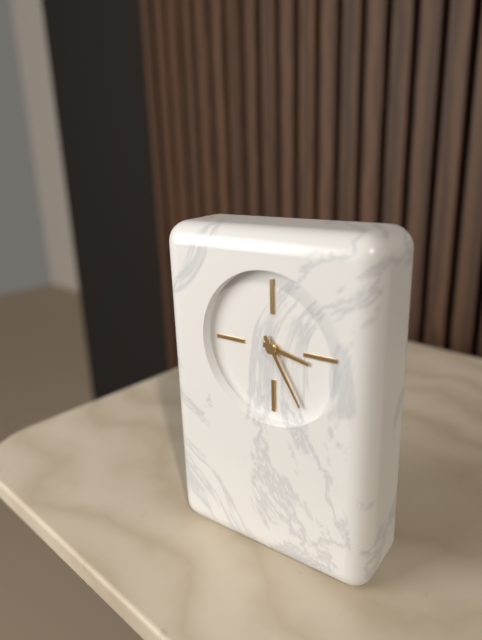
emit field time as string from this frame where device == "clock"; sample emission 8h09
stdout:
3h25
